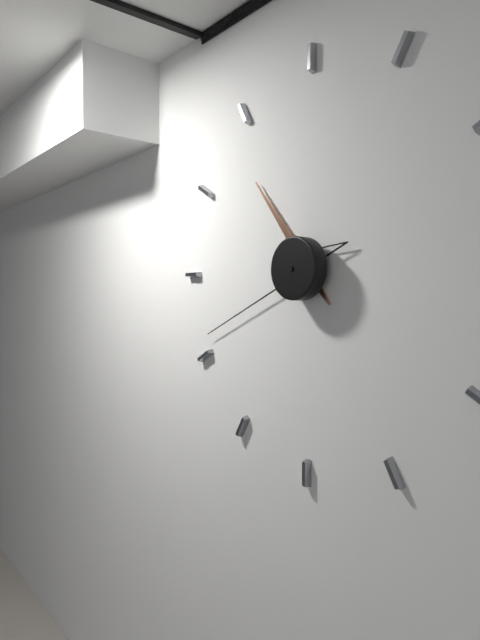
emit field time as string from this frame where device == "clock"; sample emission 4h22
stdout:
10h41
